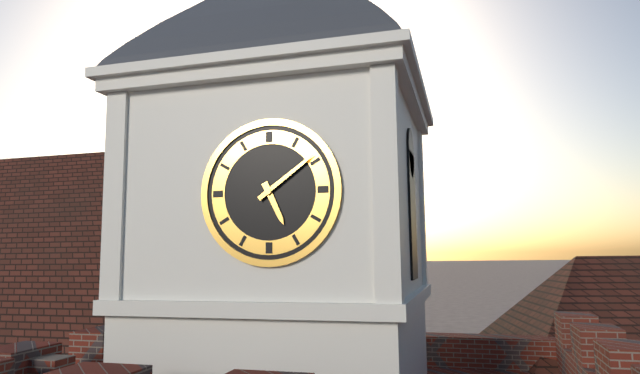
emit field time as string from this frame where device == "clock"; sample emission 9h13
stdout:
5h09
